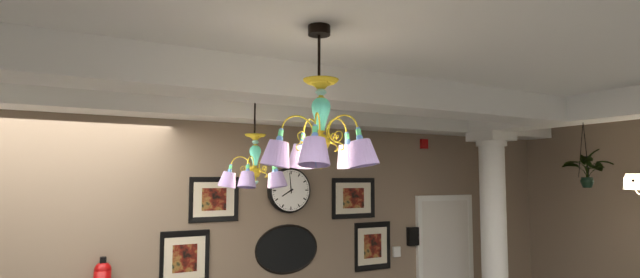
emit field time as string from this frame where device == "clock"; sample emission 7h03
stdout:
7h59
